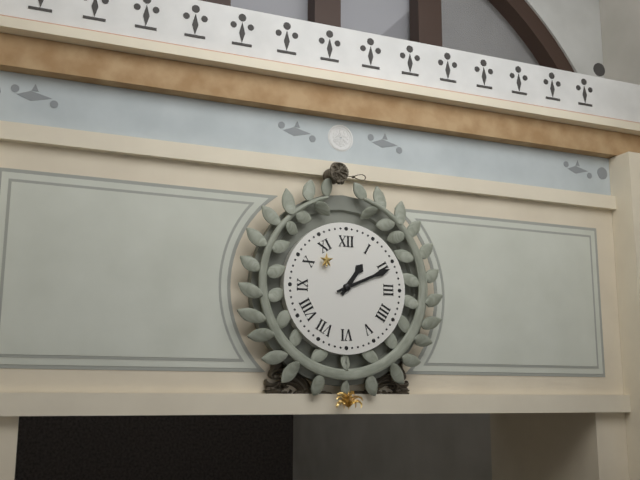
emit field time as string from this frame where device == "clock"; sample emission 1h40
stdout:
1h11
